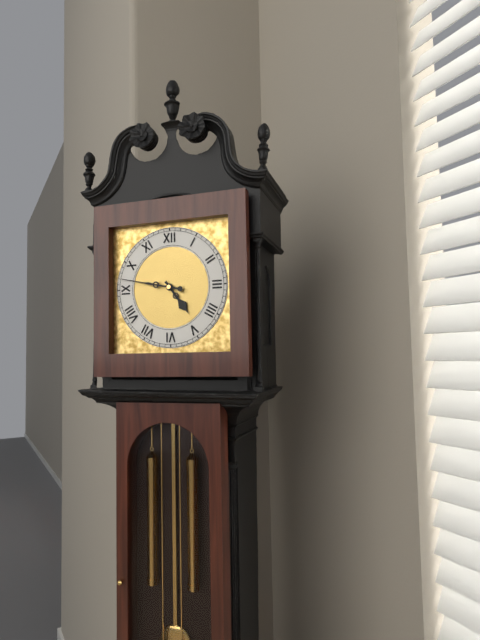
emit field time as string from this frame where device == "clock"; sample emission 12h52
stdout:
4h47
